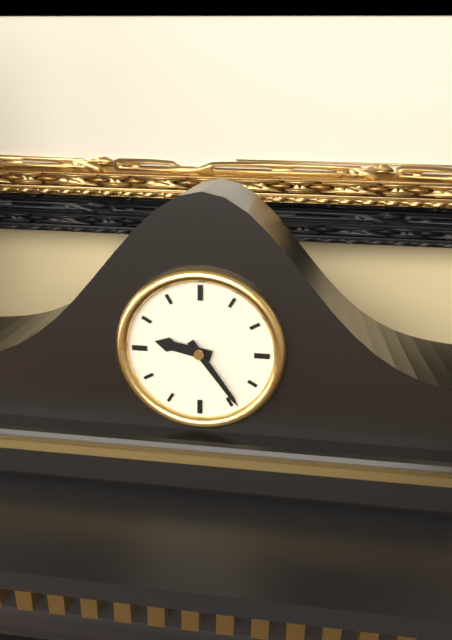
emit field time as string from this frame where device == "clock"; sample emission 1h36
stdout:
9h24
